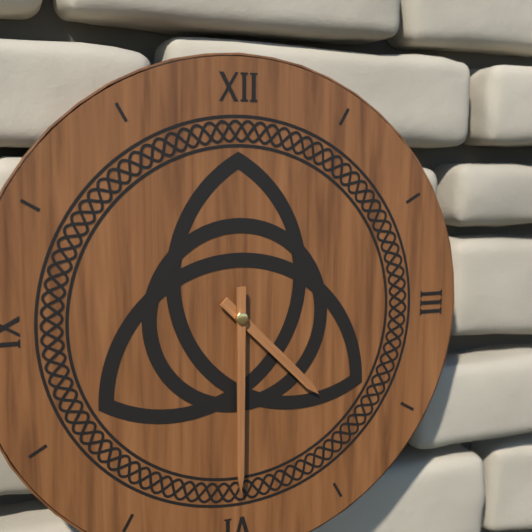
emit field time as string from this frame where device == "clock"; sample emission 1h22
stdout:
4h30
